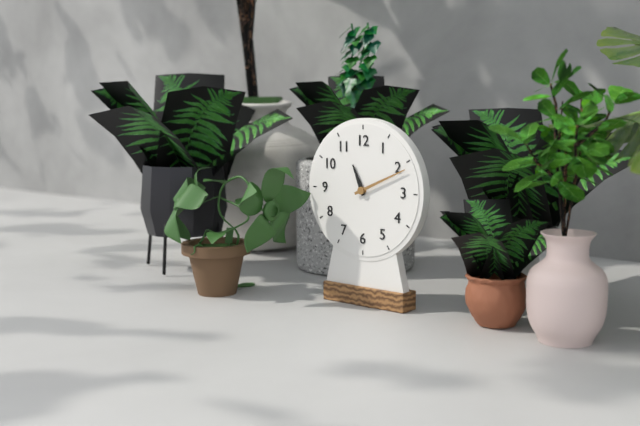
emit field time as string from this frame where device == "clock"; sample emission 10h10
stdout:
11h11
